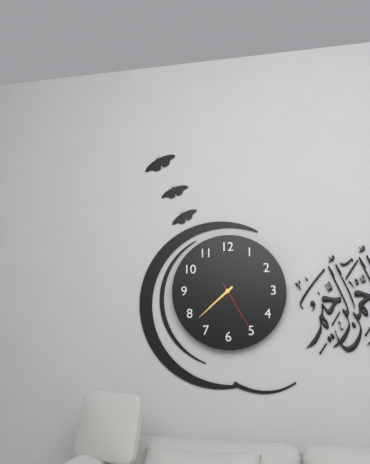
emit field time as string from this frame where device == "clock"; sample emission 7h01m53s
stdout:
7h38m25s
